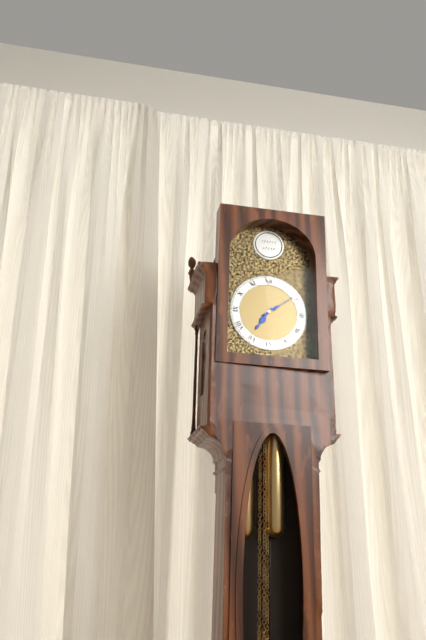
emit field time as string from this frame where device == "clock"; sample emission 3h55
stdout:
7h09
